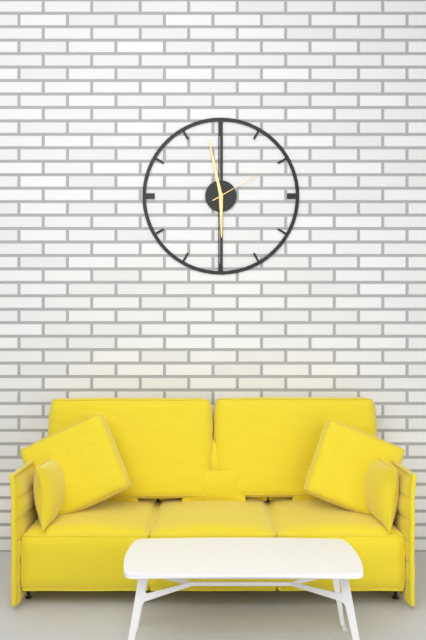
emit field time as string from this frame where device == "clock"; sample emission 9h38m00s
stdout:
5h58m10s
